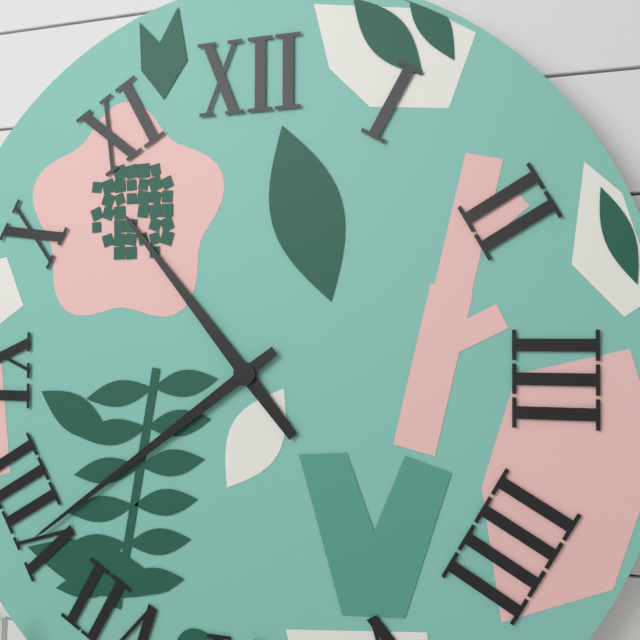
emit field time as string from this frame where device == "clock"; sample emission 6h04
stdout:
10h39
